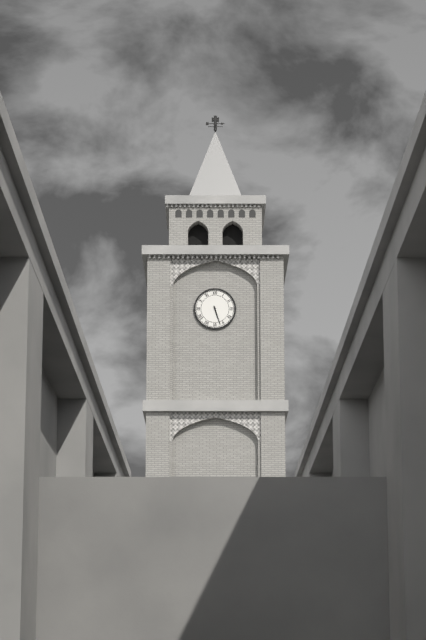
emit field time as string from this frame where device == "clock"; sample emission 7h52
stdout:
5h27
